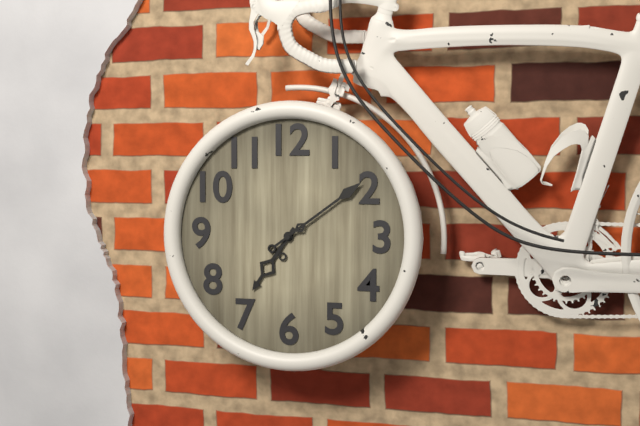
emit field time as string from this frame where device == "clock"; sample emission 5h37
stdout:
7h09
